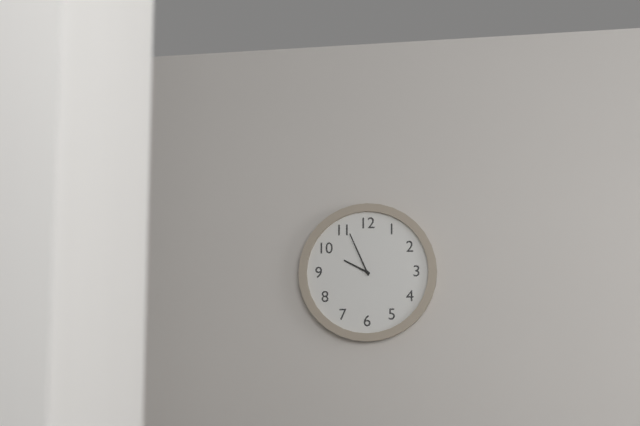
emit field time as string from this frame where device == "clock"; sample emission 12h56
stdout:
9h56
